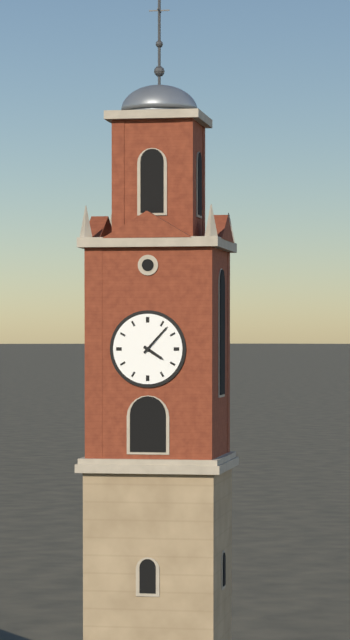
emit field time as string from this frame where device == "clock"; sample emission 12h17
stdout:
4h07
